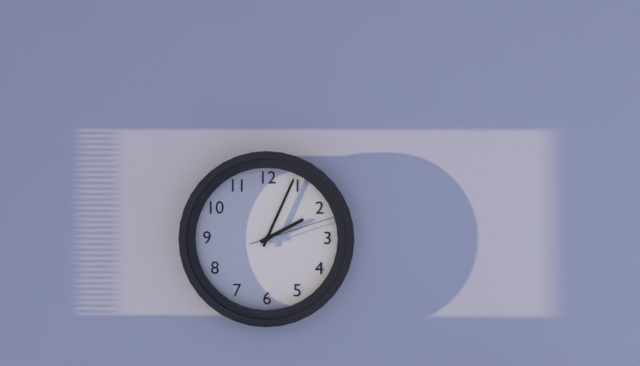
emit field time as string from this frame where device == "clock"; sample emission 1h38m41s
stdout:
2h04m12s
